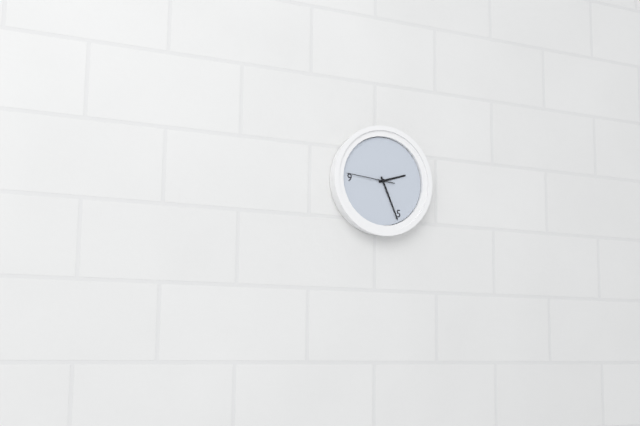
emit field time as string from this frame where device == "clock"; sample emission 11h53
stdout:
2h26
